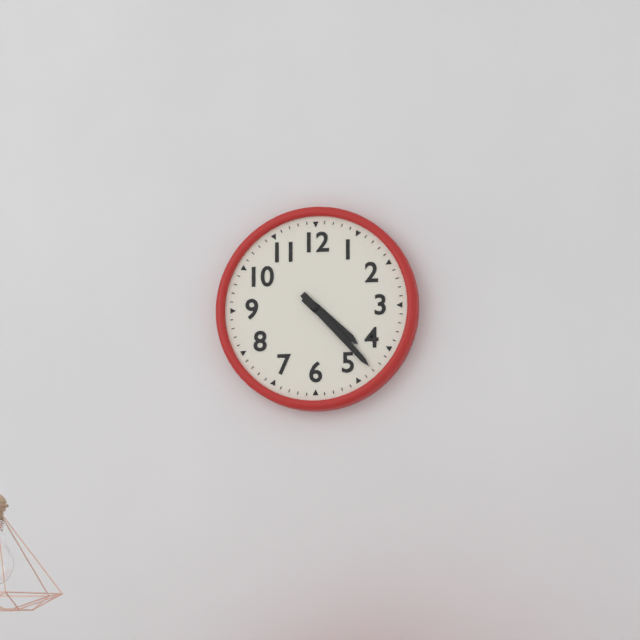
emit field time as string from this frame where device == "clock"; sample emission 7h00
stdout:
4h23
